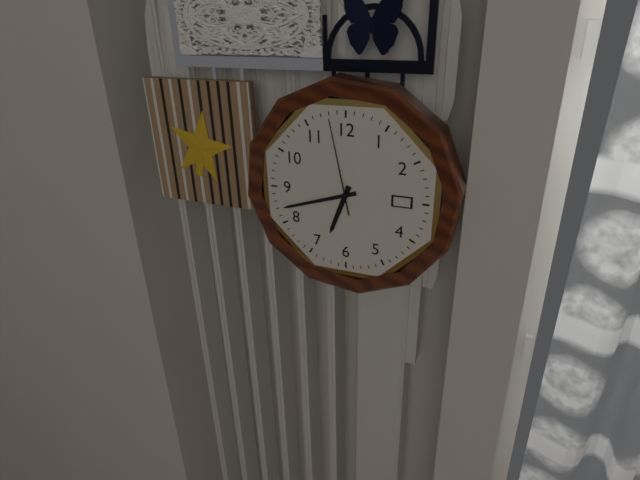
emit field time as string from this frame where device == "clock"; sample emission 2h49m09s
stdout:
6h42m58s
